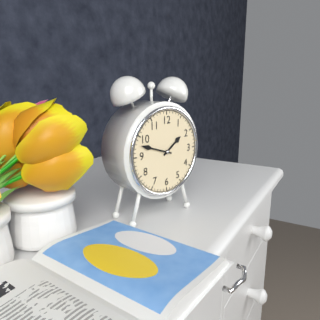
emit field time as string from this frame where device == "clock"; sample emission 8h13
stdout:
1h48
